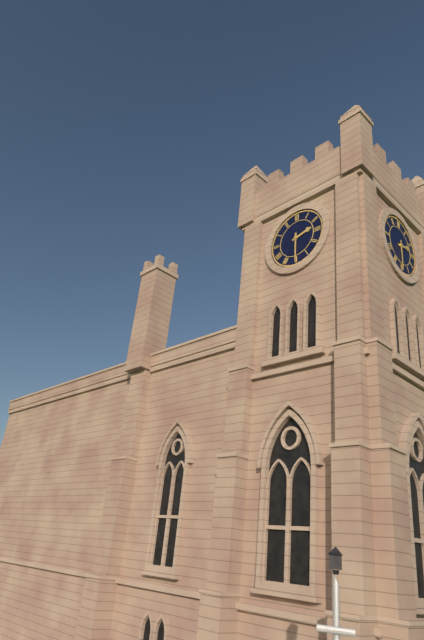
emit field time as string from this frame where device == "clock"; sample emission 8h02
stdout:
2h30
